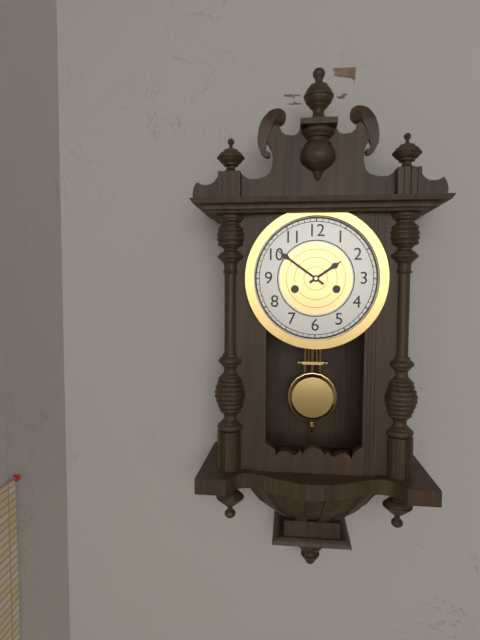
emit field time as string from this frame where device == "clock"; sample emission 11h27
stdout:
1h51
